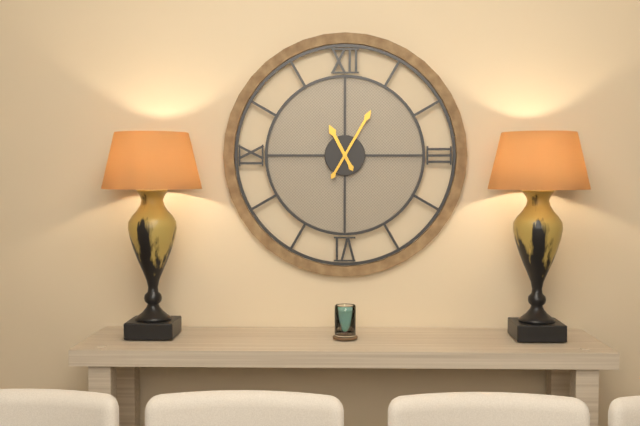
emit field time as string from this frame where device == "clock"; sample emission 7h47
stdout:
11h05
